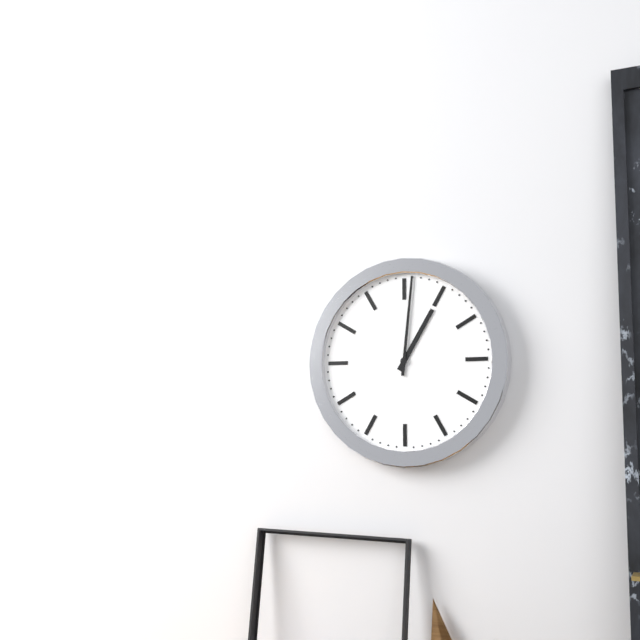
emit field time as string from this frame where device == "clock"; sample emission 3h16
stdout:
1h01
